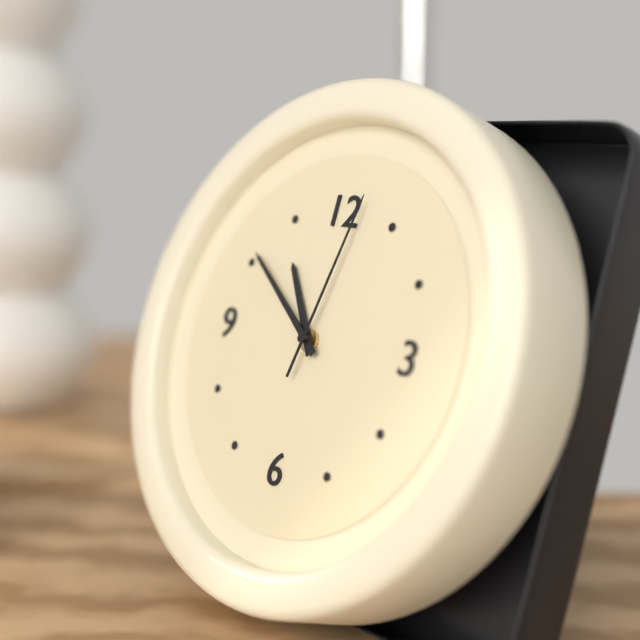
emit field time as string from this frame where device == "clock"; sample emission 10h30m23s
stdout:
10h51m02s
